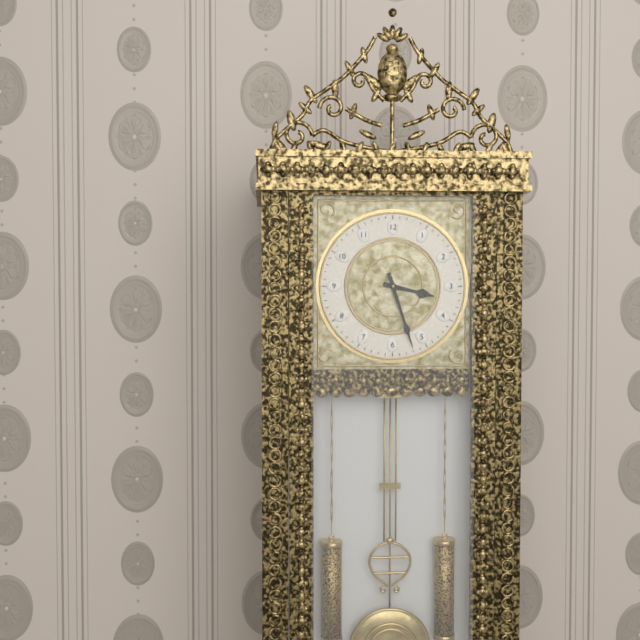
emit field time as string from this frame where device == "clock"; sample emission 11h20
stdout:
3h27
